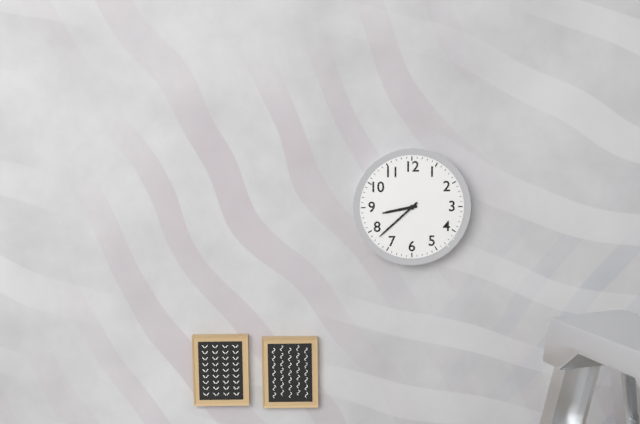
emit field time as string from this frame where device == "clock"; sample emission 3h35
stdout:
8h38
